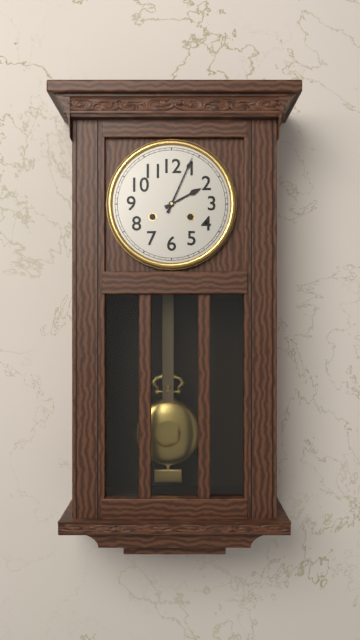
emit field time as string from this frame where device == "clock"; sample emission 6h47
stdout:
2h04
